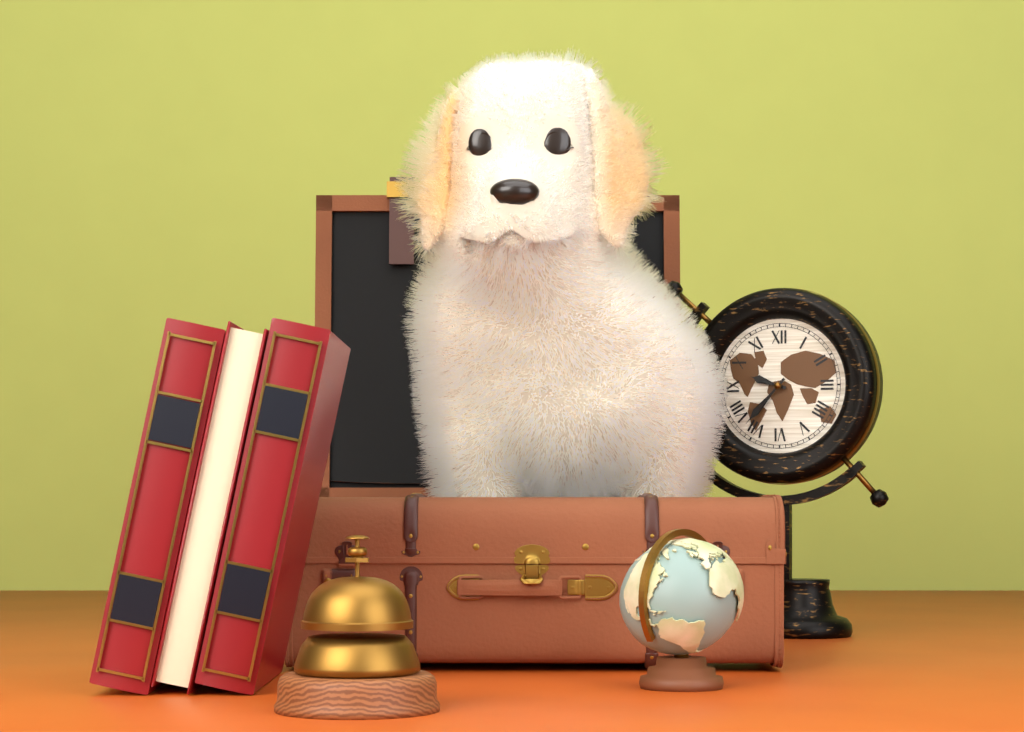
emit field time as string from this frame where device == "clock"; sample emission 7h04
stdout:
9h37
